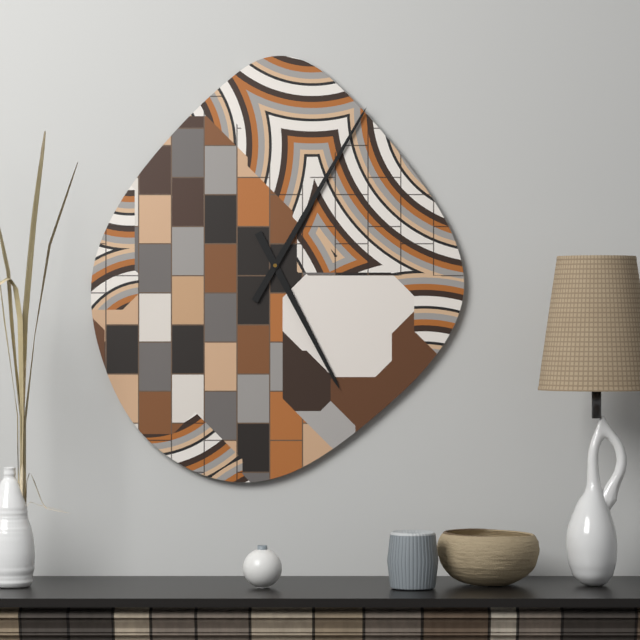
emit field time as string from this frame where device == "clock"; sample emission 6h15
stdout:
5h05
